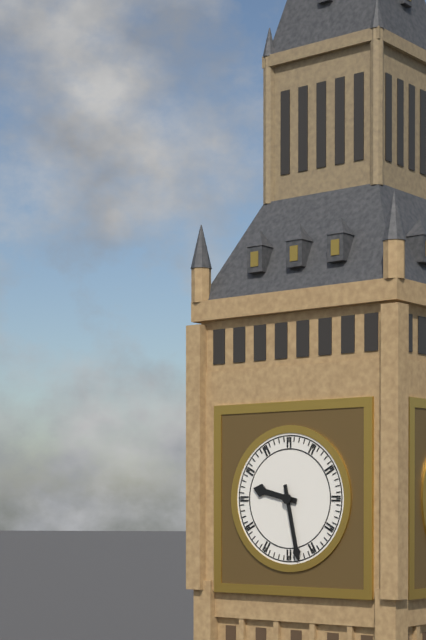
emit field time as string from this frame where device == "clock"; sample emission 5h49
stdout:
9h28
